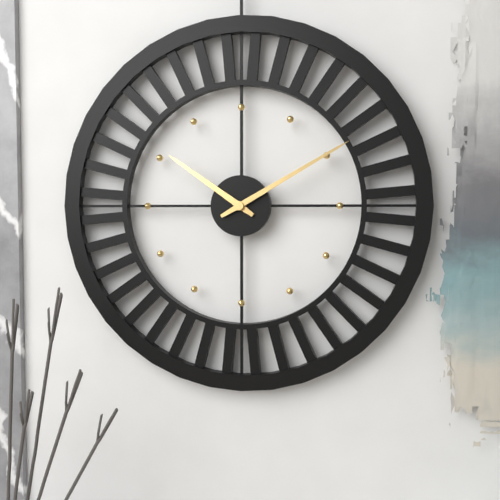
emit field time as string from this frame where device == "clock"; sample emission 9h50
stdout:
10h10
